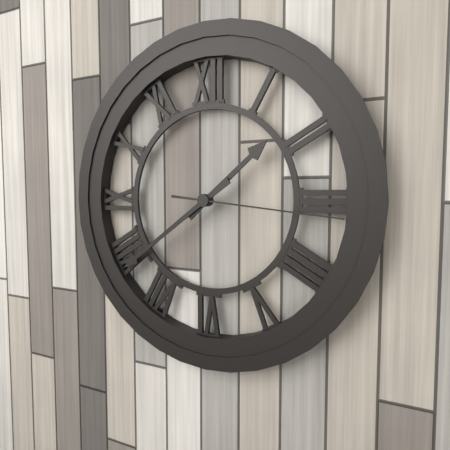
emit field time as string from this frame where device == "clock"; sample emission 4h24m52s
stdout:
1h39m16s
